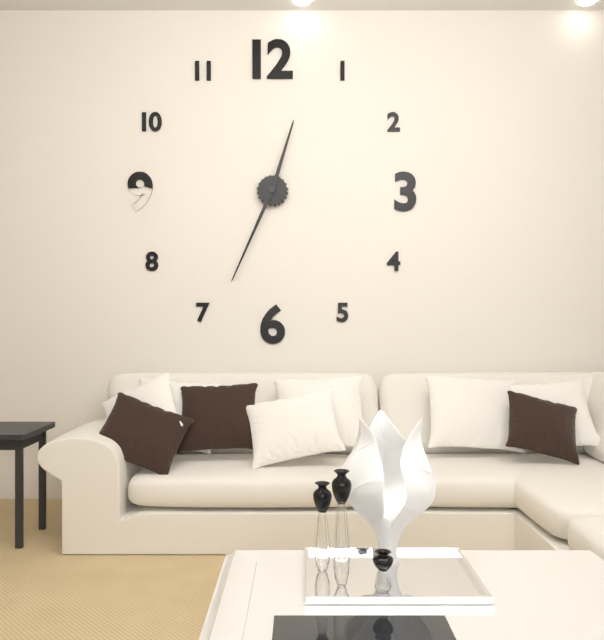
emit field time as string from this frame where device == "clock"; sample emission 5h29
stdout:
12h34
